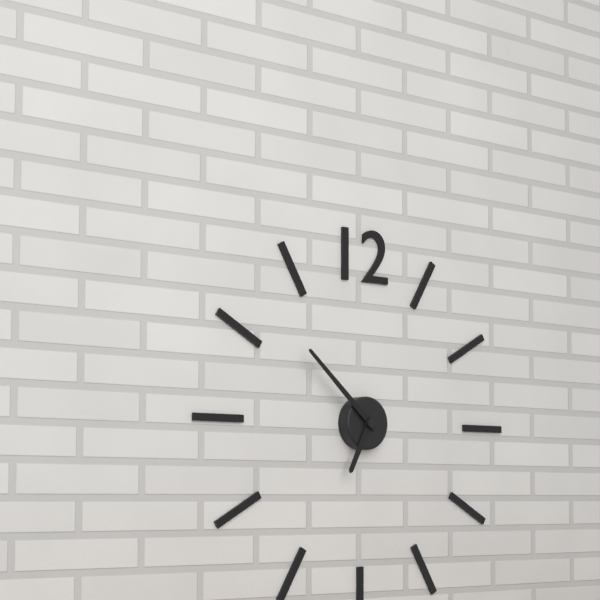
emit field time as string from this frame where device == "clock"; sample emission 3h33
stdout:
6h52
